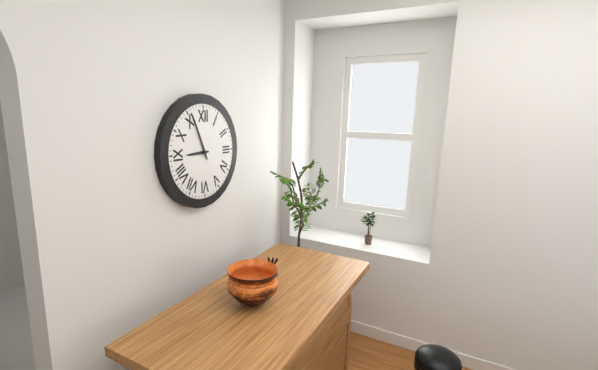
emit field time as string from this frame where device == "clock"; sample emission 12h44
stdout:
8h56
